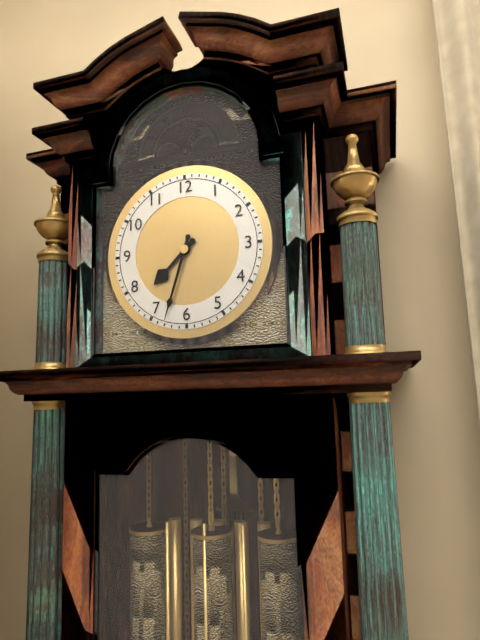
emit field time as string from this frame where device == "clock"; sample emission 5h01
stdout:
7h33
